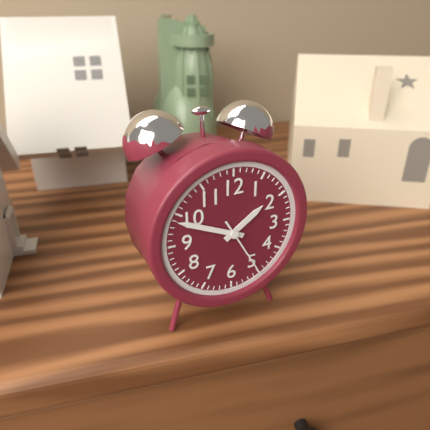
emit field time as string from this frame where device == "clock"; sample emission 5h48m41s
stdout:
1h49m25s
